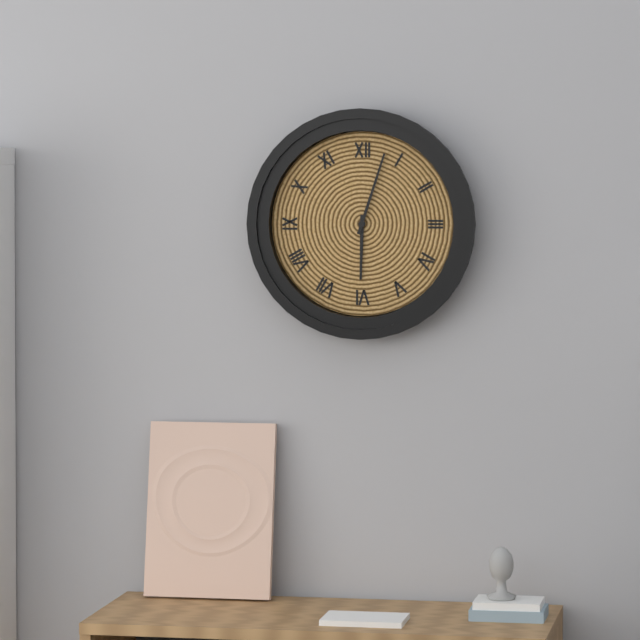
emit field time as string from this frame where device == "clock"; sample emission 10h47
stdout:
6h03
